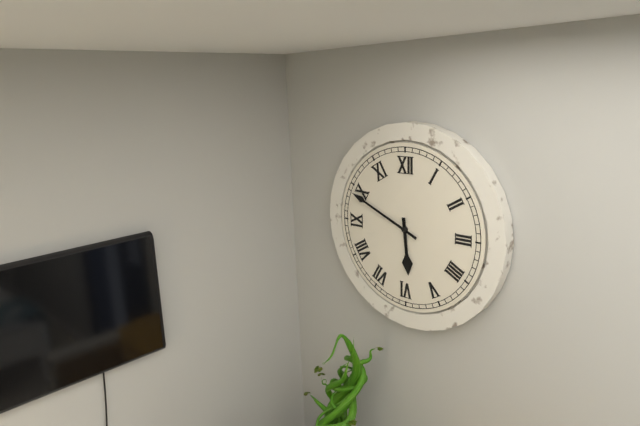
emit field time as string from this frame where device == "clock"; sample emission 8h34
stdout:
5h49
